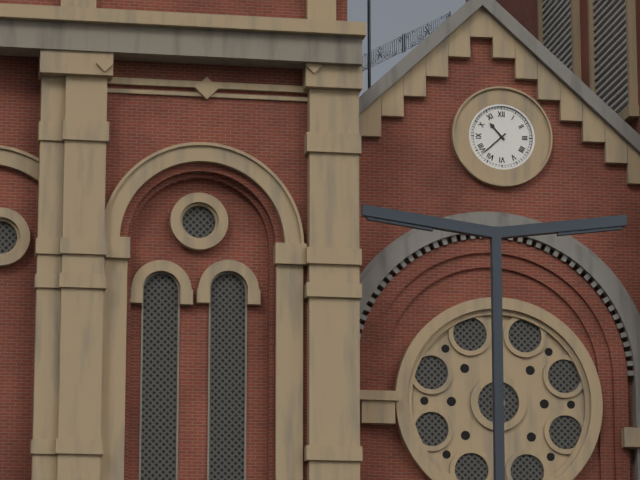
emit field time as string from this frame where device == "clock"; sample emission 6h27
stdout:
10h38
